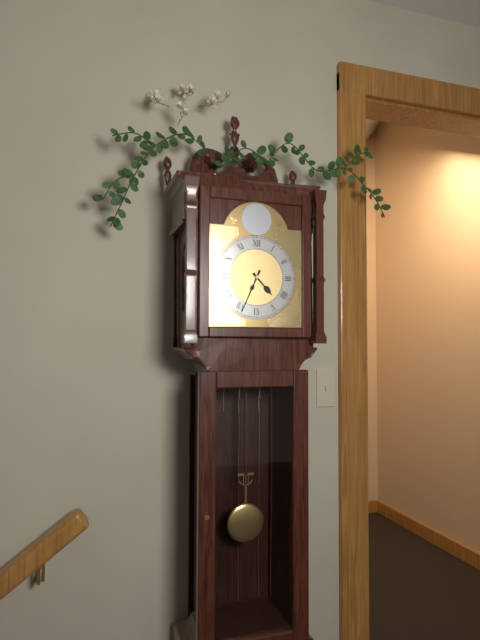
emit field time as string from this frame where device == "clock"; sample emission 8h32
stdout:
4h34
